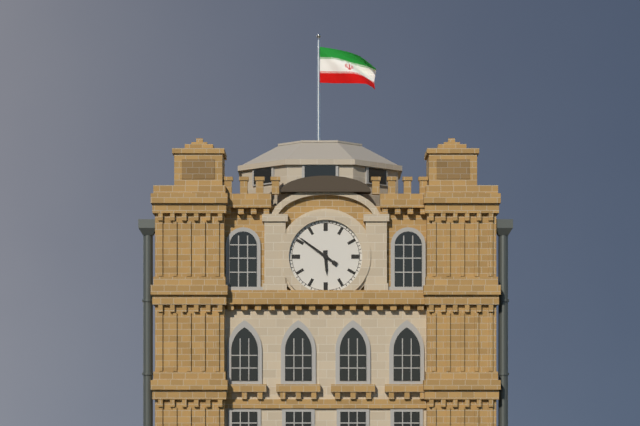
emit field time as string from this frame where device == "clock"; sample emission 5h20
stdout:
5h51
